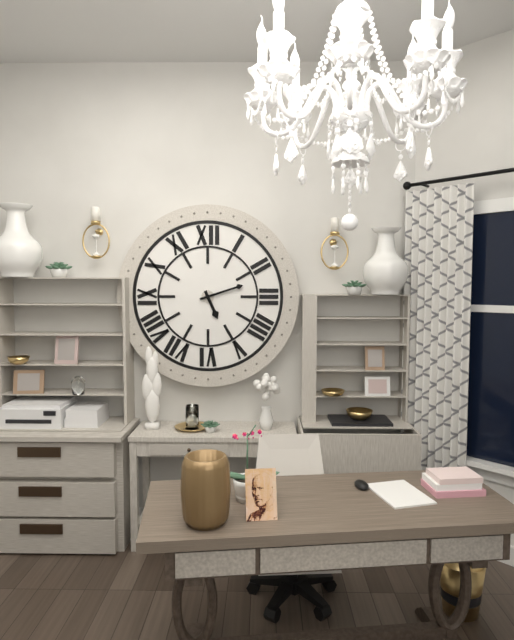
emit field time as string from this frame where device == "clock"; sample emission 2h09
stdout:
5h12
